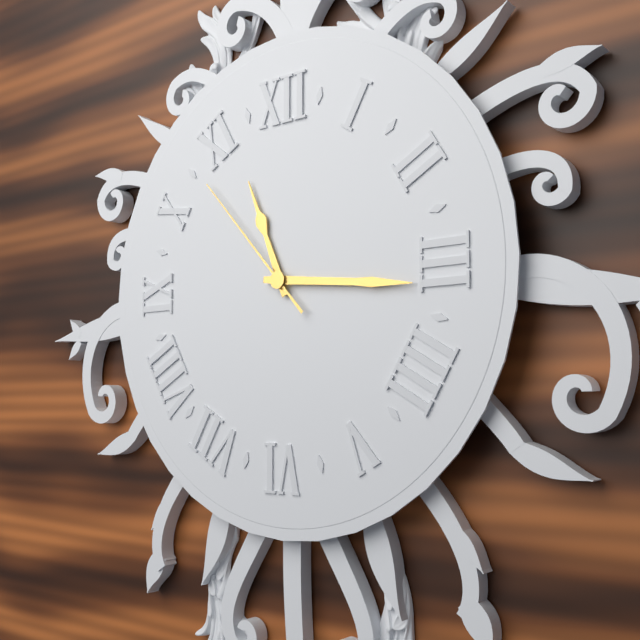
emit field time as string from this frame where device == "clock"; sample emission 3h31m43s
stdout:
11h16m53s
